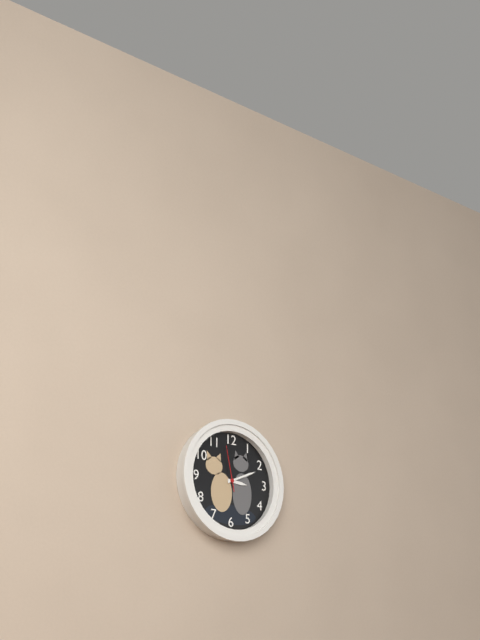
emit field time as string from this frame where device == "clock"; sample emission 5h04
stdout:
3h11
